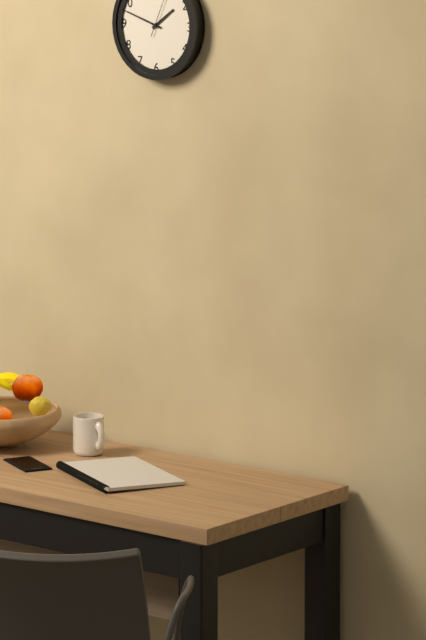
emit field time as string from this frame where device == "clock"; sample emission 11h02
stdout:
1h48
